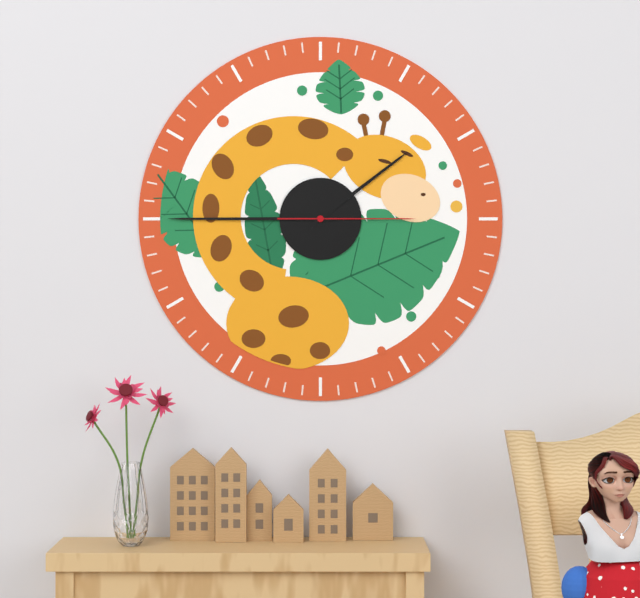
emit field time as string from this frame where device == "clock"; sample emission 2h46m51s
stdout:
1h45m15s
